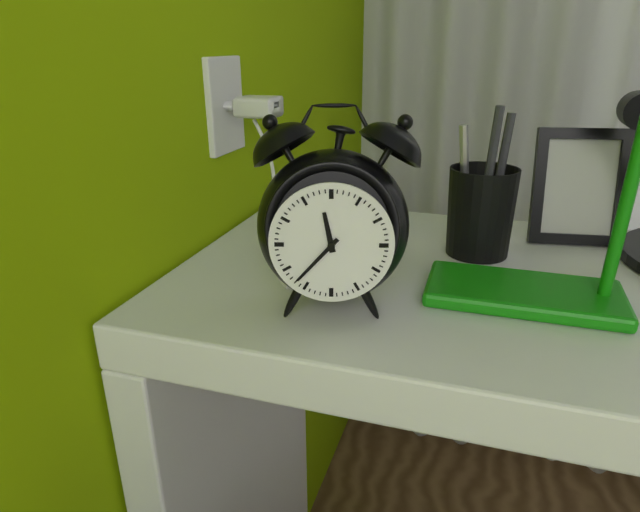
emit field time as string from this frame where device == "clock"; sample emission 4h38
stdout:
11h37
